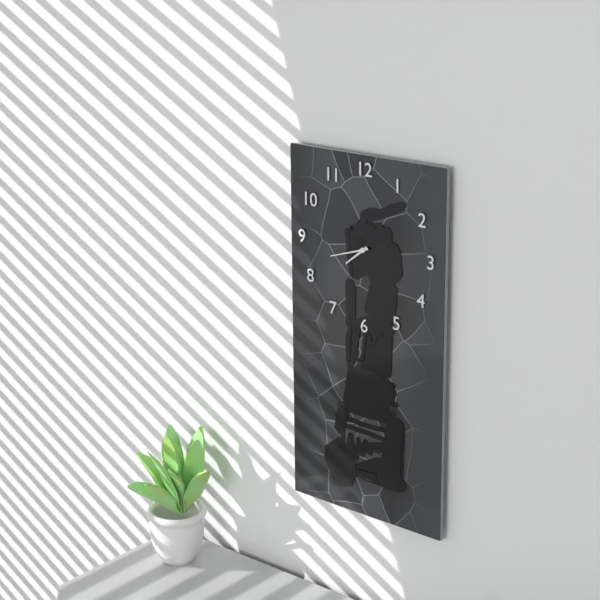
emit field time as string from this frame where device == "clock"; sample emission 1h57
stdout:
7h42
